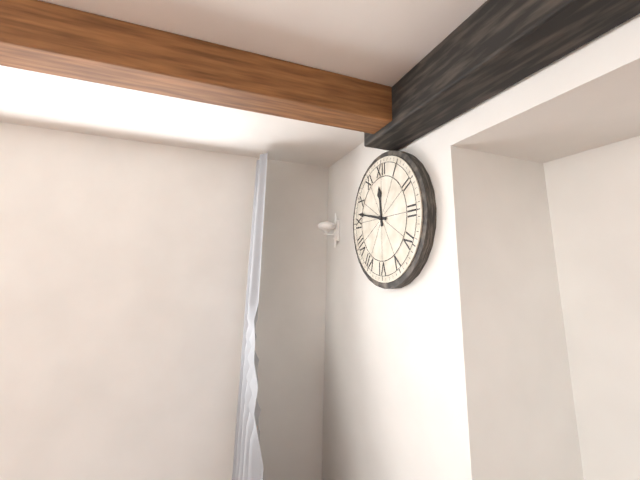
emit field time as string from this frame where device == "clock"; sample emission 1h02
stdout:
11h47
